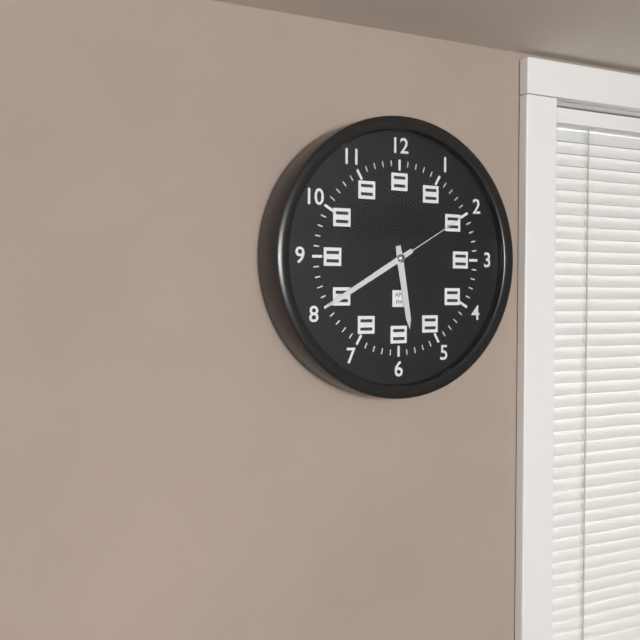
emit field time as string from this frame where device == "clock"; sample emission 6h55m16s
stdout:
5h40m10s
